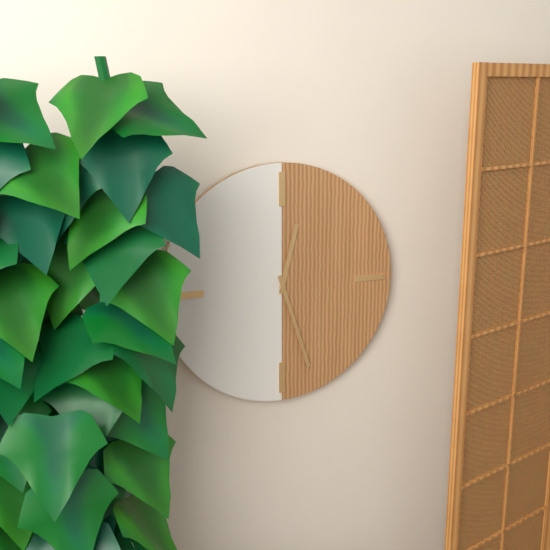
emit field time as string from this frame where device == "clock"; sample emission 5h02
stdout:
12h27
